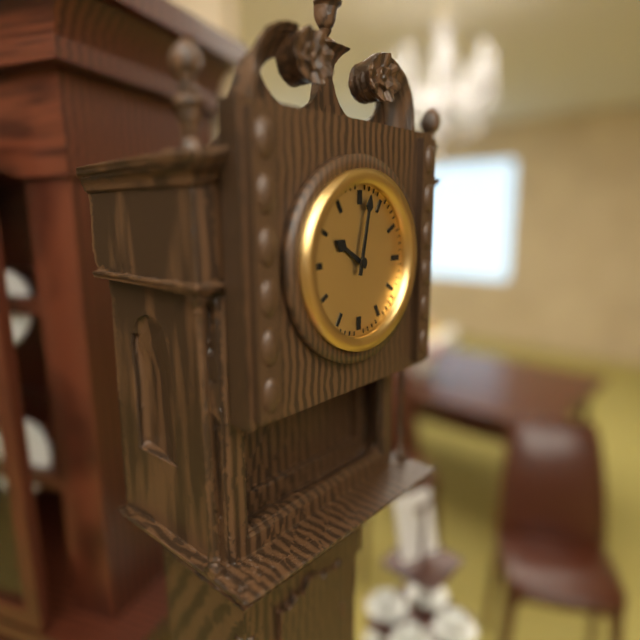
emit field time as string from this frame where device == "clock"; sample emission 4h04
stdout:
10h02
